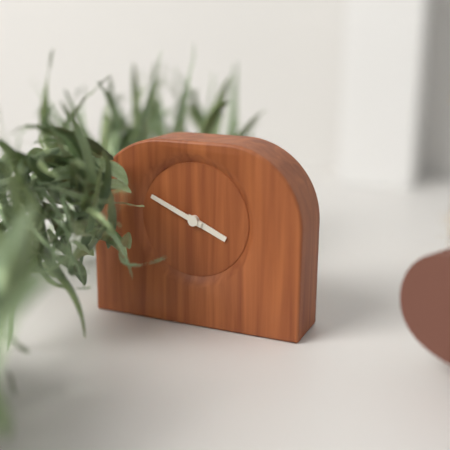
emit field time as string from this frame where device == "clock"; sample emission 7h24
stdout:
3h49
